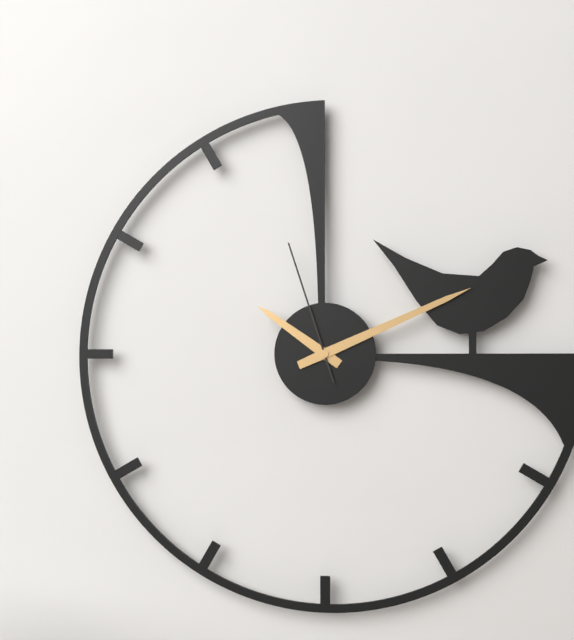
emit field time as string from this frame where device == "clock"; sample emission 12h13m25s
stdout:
10h11m57s
